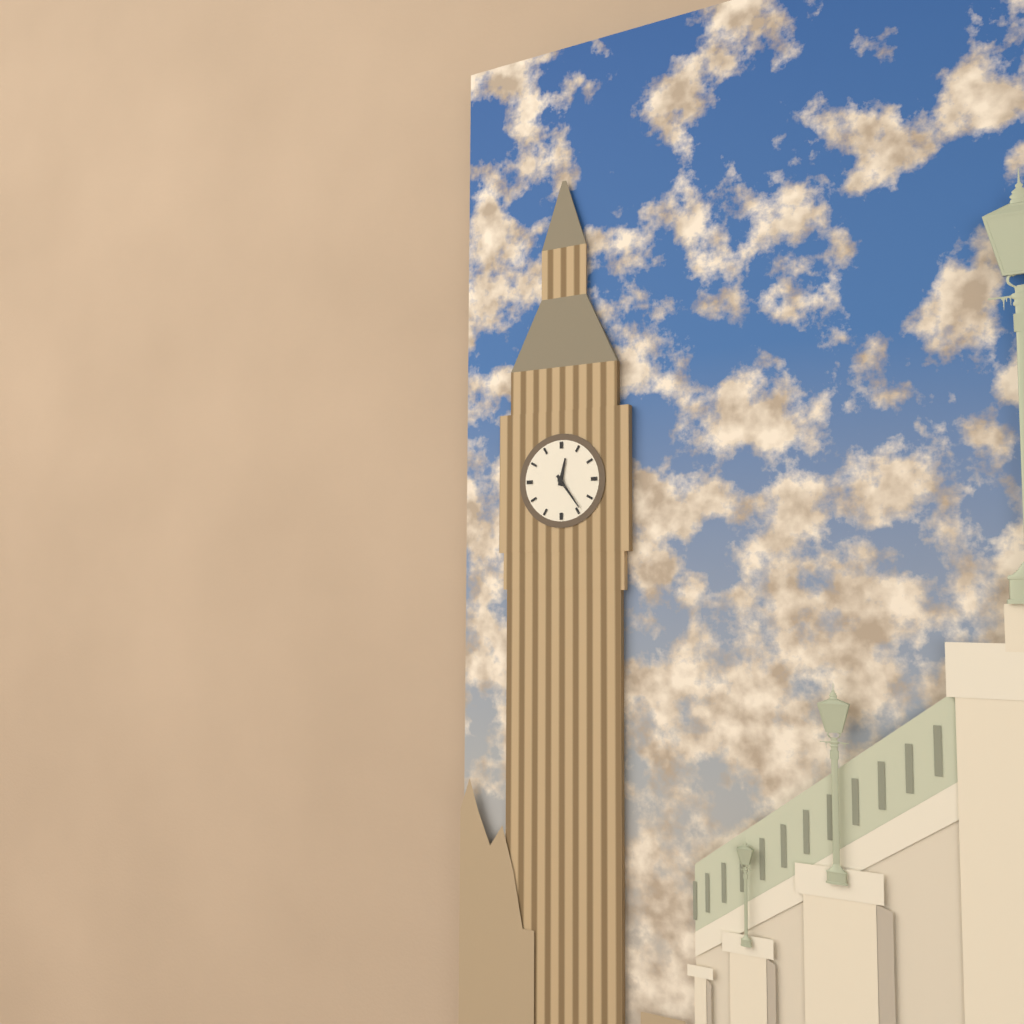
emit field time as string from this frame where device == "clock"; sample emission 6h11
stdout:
12h24
